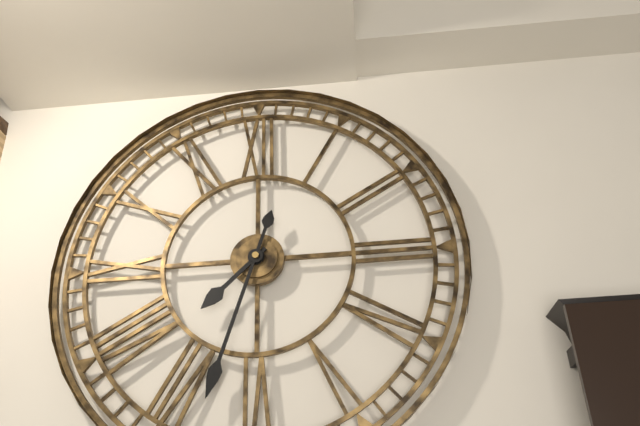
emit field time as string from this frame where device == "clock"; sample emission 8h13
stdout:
7h33
